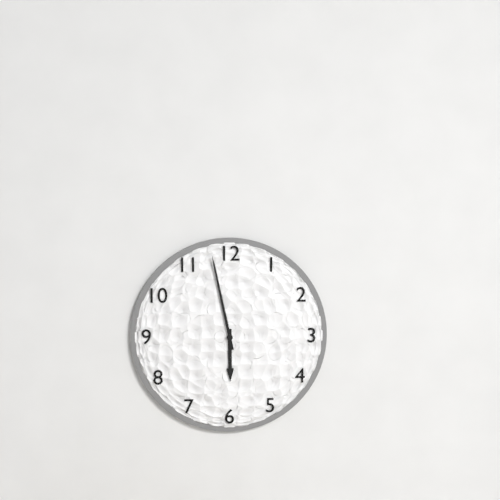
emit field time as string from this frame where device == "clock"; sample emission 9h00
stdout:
5h58
